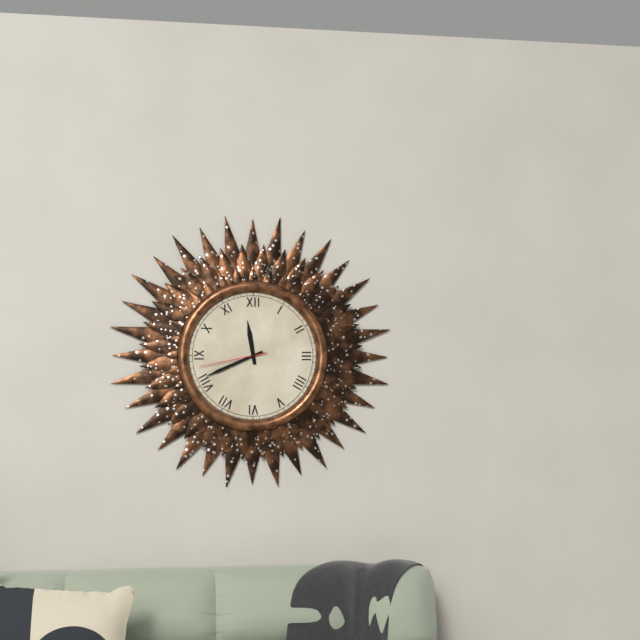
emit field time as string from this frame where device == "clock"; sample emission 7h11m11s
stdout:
11h41m43s
